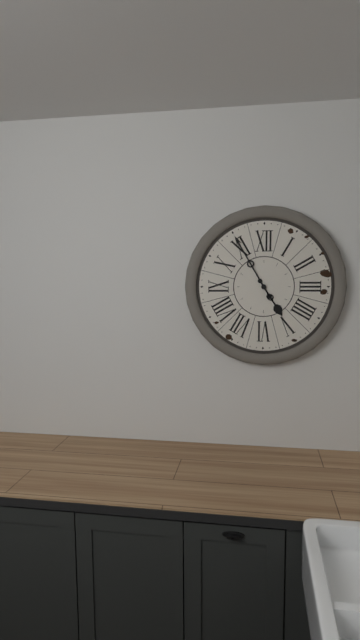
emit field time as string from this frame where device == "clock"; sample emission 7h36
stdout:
4h55
